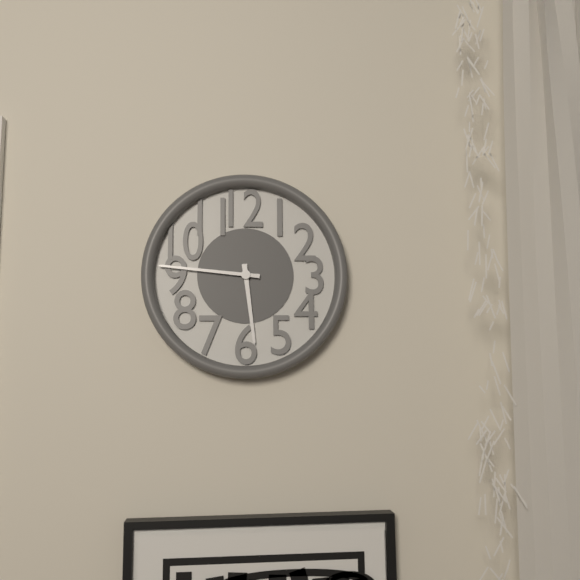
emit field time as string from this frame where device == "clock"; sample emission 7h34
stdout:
5h46
